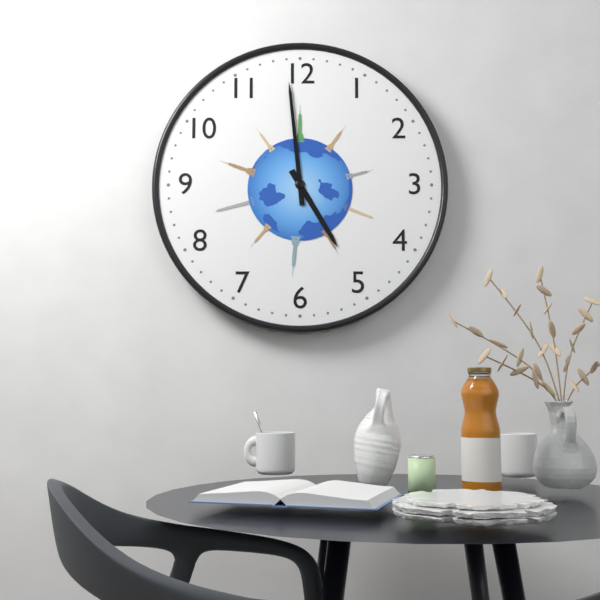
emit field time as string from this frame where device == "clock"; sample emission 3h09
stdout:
4h59
